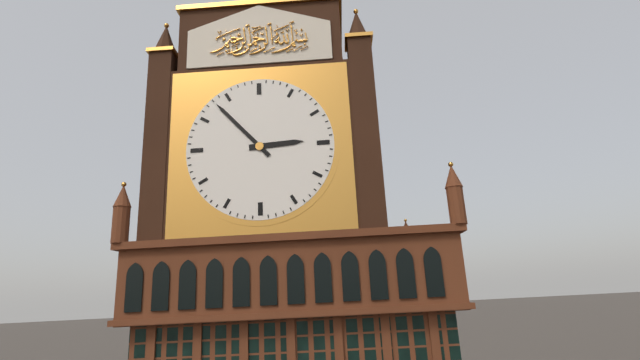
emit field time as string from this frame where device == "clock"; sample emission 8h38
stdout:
2h53
